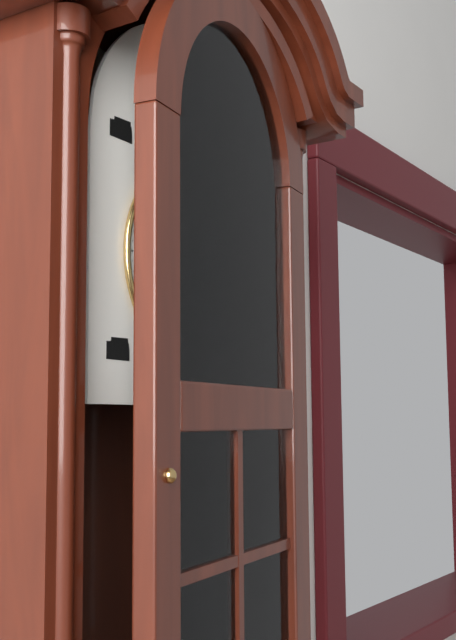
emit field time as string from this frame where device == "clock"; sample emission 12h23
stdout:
12h24
